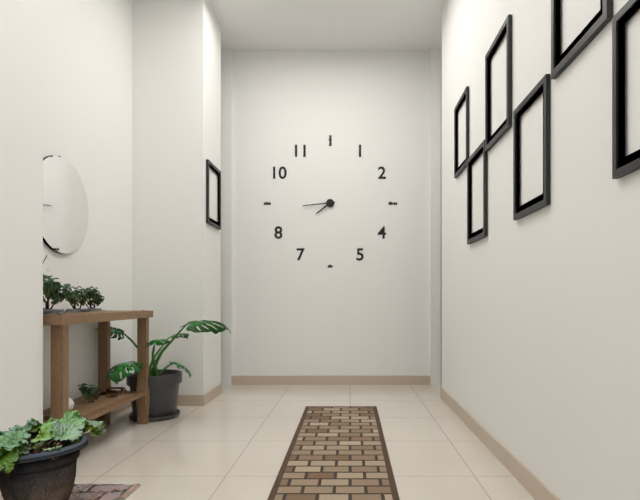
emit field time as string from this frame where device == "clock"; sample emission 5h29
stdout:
7h44
